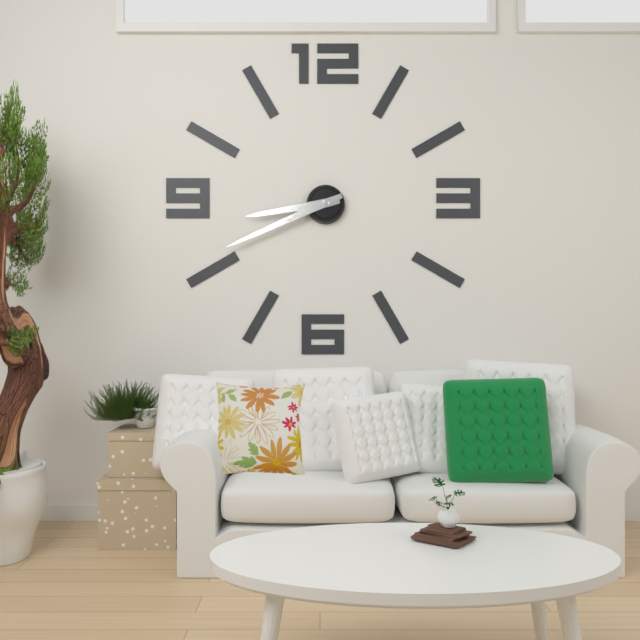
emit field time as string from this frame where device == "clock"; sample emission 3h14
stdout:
8h41
